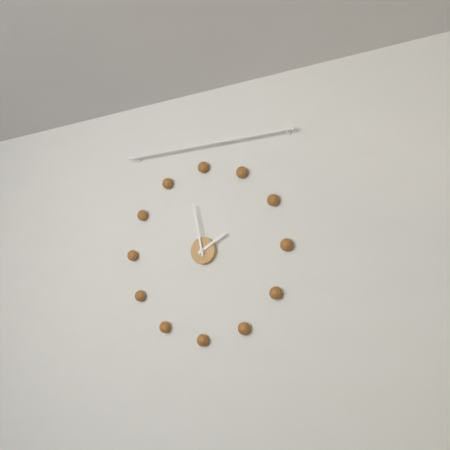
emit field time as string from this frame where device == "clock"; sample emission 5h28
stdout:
1h58
